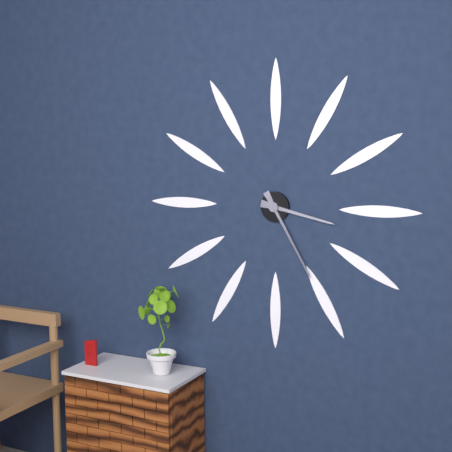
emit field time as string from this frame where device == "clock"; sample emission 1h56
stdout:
3h25
